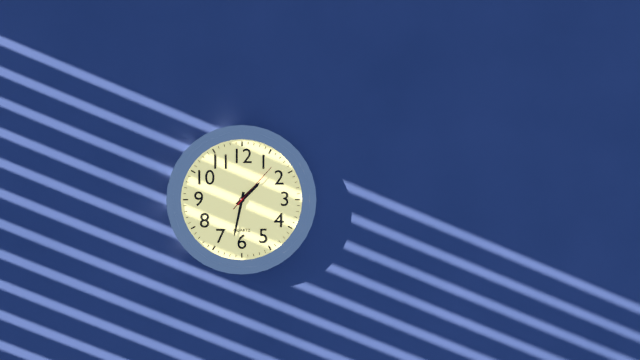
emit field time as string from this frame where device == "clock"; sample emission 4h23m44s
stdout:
1h32m07s
